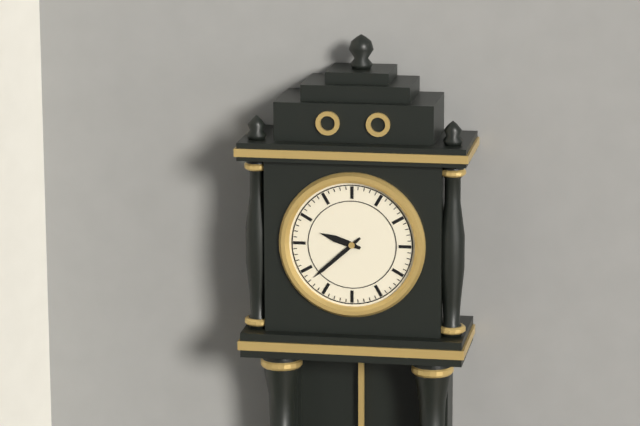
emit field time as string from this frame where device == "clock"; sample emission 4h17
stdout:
9h38
